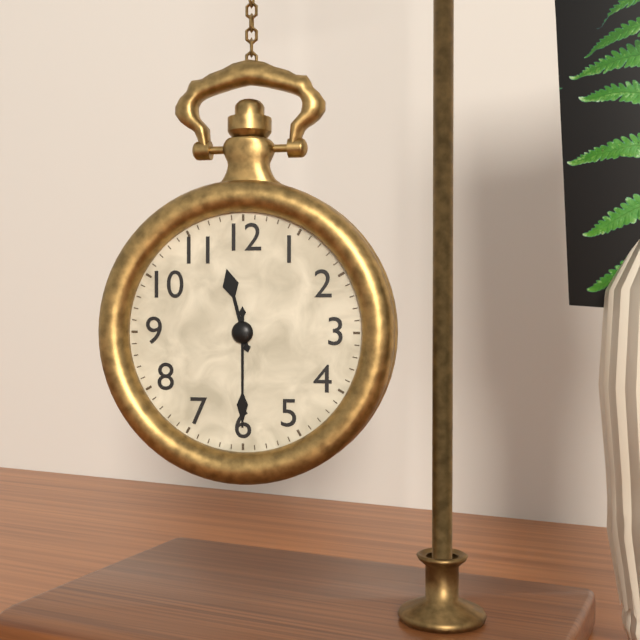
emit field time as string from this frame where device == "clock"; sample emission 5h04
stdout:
11h30
